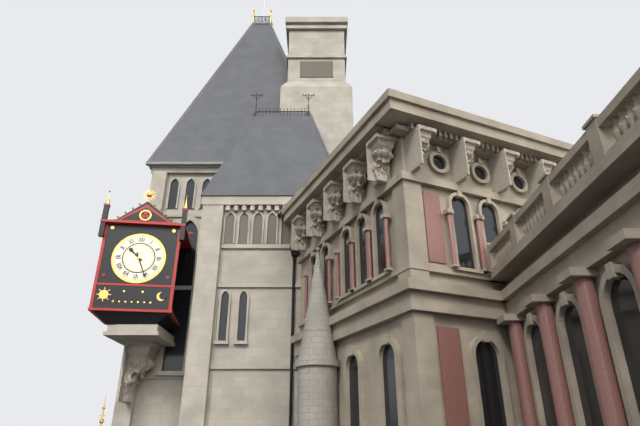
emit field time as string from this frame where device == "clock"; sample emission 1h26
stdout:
10h26
